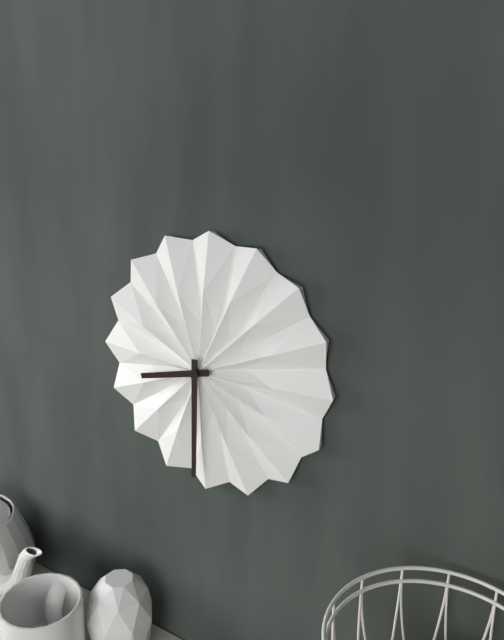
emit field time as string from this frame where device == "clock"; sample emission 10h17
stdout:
8h30
